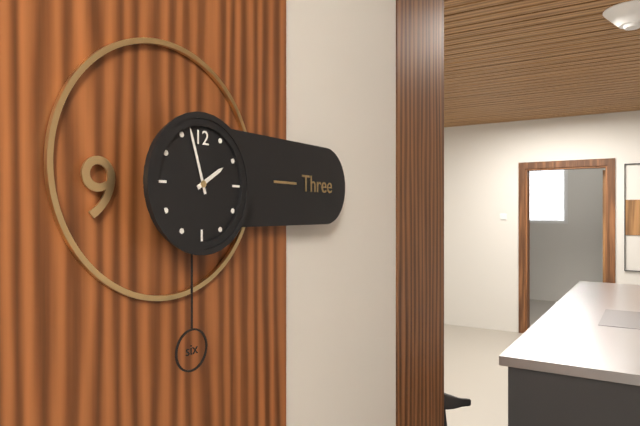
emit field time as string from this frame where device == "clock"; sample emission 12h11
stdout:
1h57
